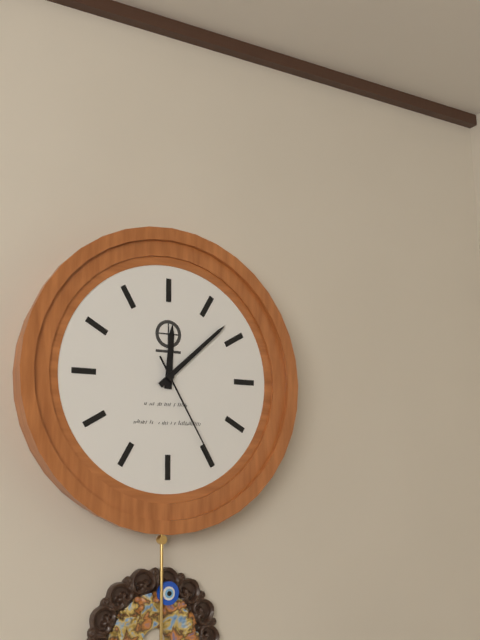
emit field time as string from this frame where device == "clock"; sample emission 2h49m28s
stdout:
12h08m25s
